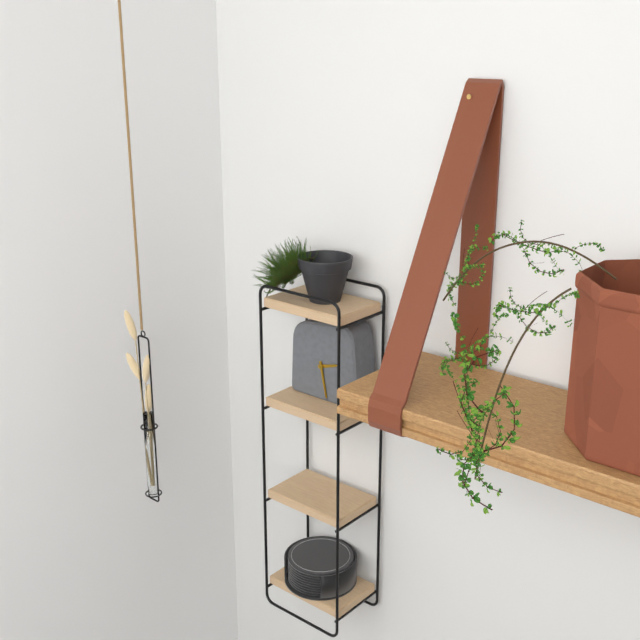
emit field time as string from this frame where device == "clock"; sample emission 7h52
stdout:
2h28
